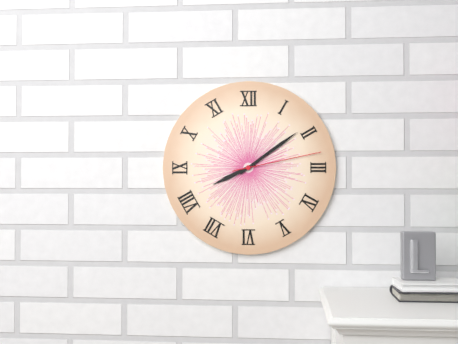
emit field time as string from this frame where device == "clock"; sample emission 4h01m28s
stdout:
8h09m13s
